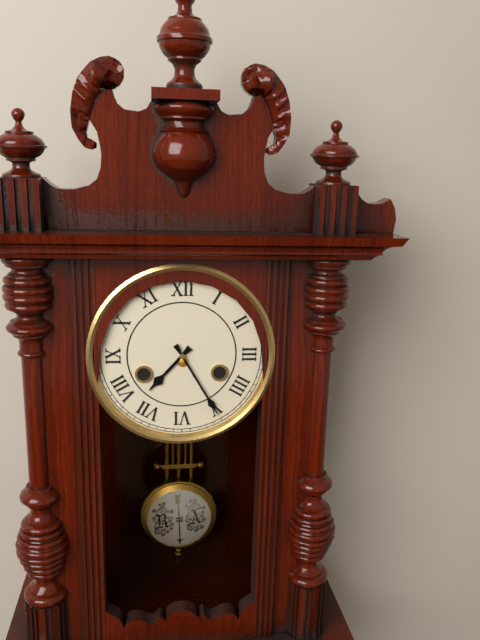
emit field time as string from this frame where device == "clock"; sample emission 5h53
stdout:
7h25
